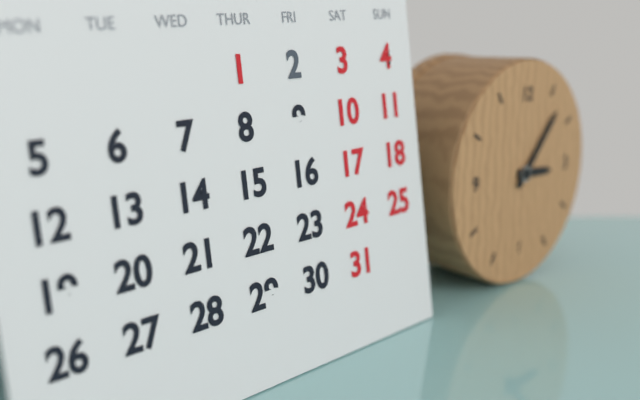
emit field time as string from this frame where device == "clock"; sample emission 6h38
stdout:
3h07
